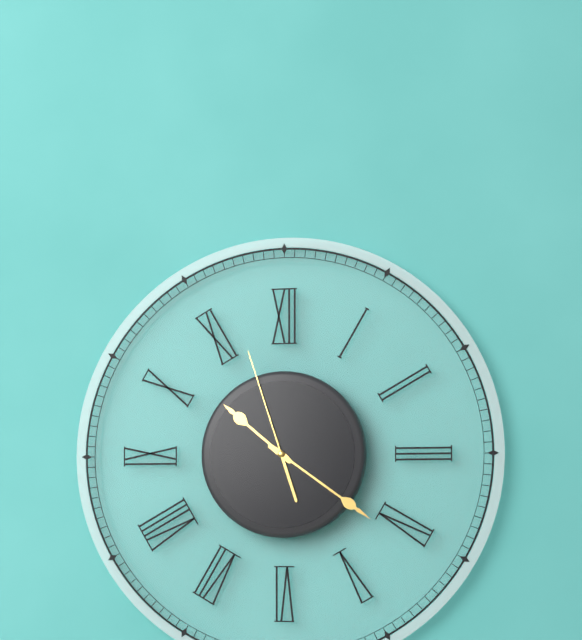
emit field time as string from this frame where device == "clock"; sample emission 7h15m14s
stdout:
10h21m57s
